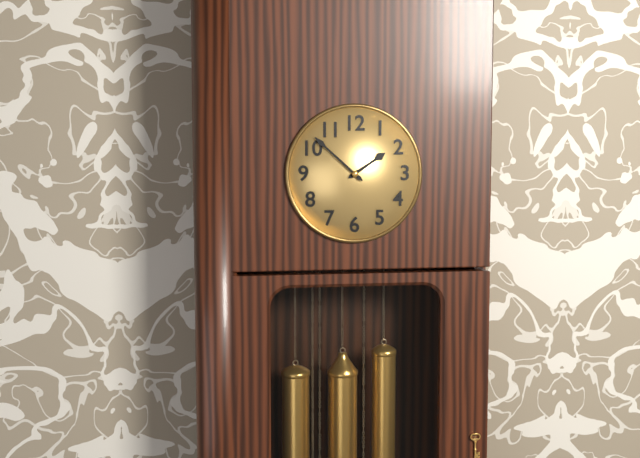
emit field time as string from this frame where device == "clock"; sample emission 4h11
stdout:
1h52
